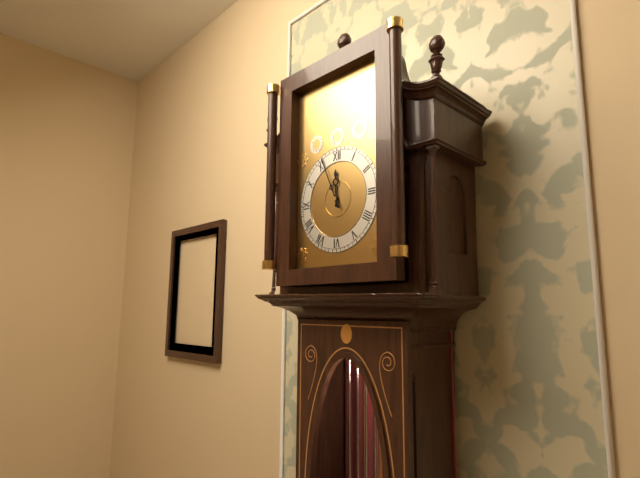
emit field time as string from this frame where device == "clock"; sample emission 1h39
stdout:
11h56
